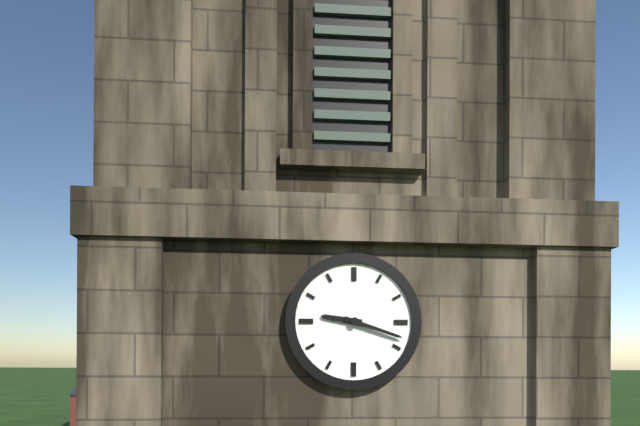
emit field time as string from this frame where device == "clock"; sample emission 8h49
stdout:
9h18
